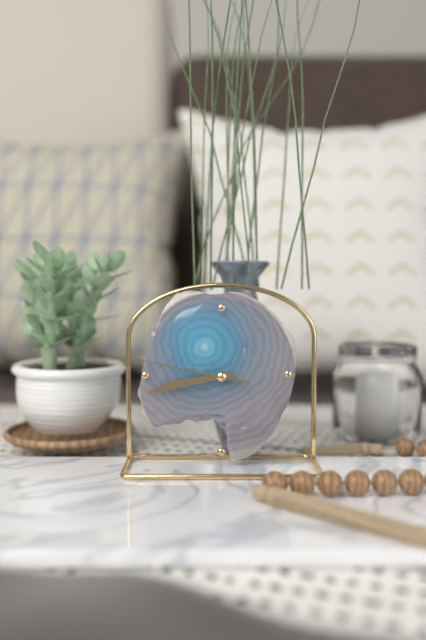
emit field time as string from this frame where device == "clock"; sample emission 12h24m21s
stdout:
8h43m47s
